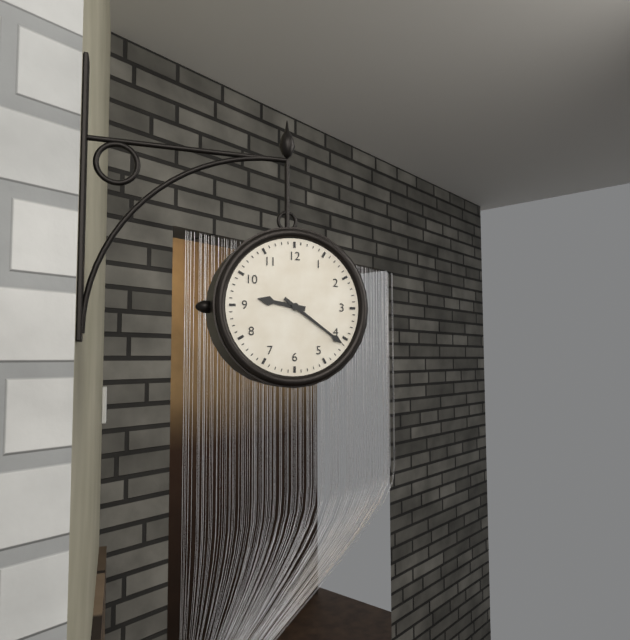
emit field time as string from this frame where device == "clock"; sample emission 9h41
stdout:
9h21
